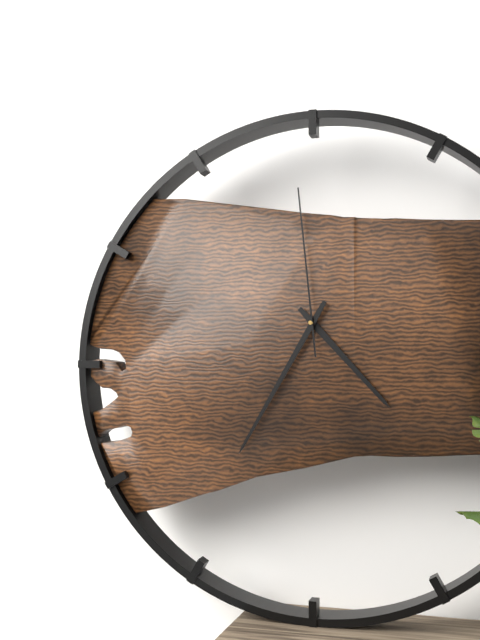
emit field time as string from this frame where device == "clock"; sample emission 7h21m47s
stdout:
4h35m59s
